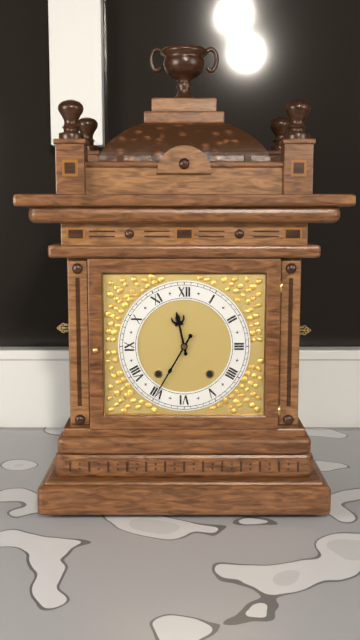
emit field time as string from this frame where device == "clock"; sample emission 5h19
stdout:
11h35
